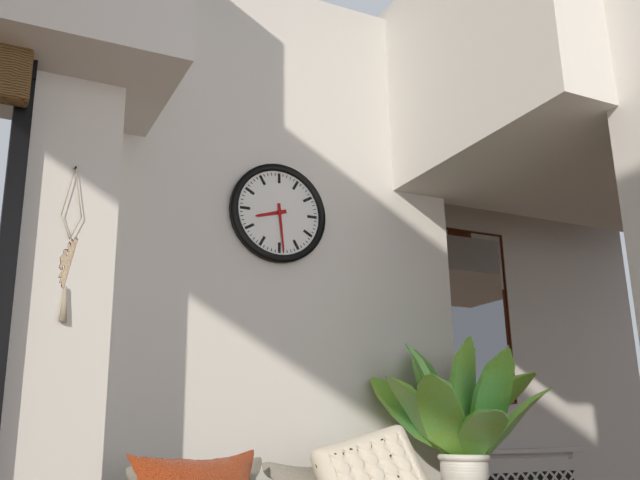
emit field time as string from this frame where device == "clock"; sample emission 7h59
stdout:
8h29
